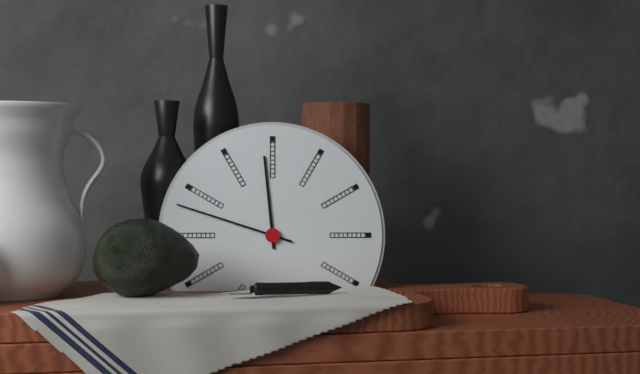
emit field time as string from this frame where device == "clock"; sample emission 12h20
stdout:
11h48
